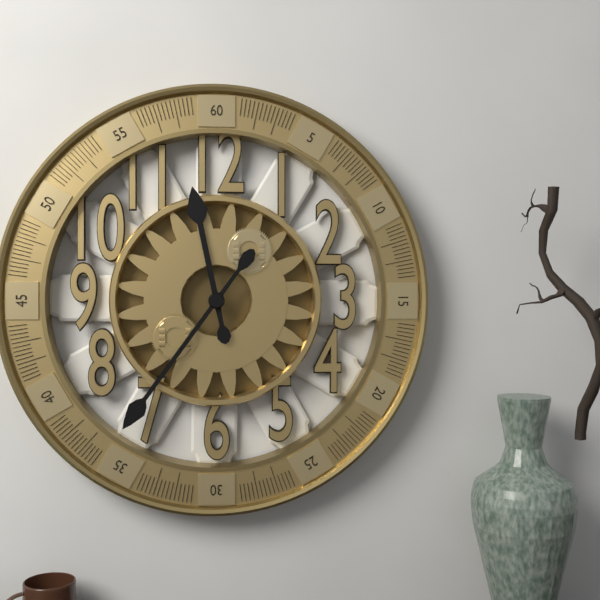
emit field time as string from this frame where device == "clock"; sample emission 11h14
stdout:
11h36
